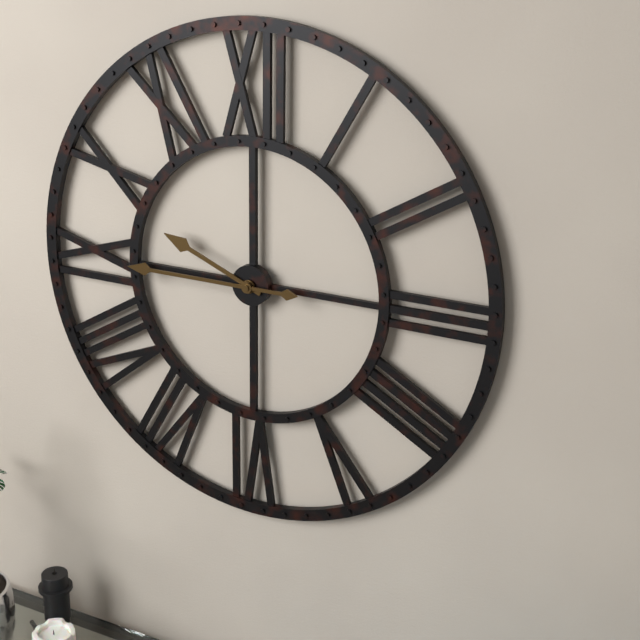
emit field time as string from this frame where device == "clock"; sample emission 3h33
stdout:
9h45
